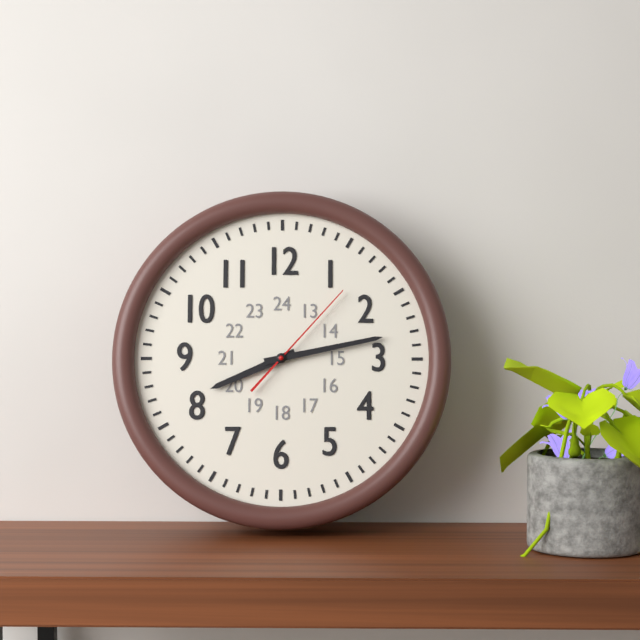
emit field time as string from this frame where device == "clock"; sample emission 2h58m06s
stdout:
8h13m07s
